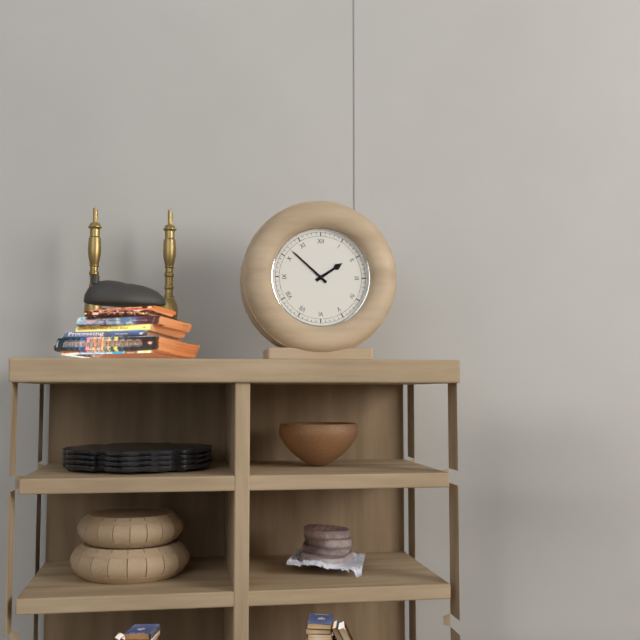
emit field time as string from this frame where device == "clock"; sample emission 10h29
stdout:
1h52
